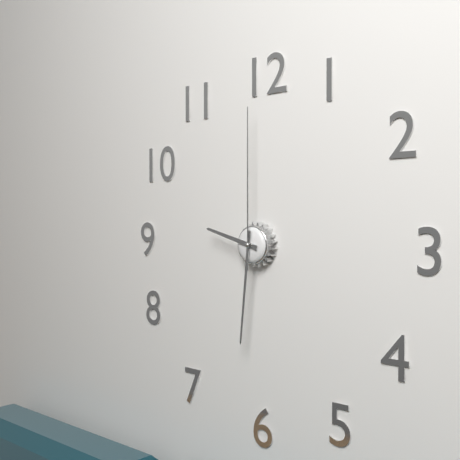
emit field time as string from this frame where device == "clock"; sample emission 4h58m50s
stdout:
9h31m00s
